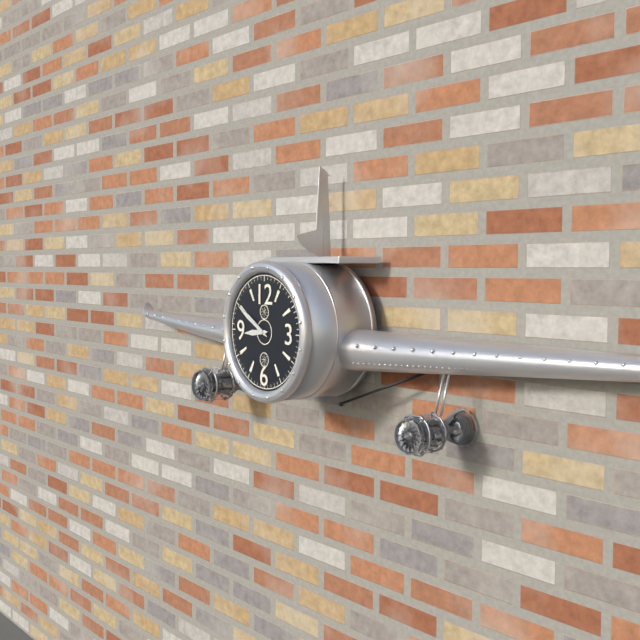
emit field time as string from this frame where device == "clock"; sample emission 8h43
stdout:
8h50
